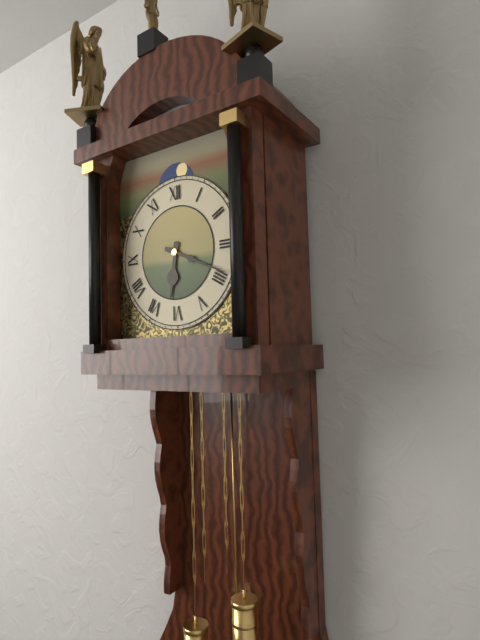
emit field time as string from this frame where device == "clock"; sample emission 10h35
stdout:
6h19
